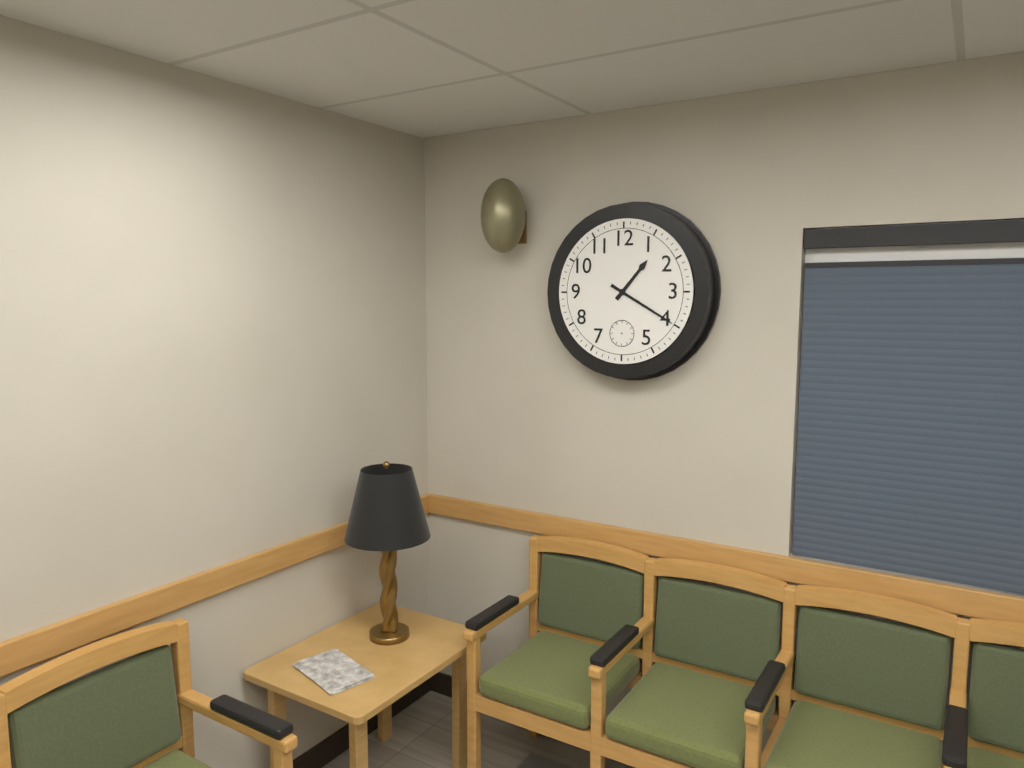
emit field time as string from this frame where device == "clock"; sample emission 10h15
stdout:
1h20
